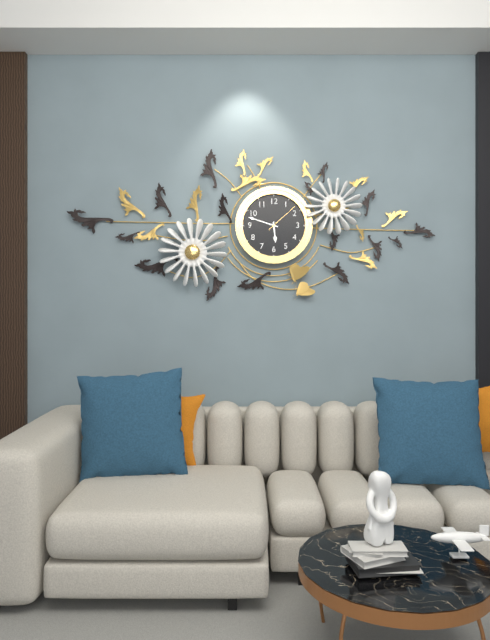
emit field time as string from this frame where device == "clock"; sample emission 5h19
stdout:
5h48
